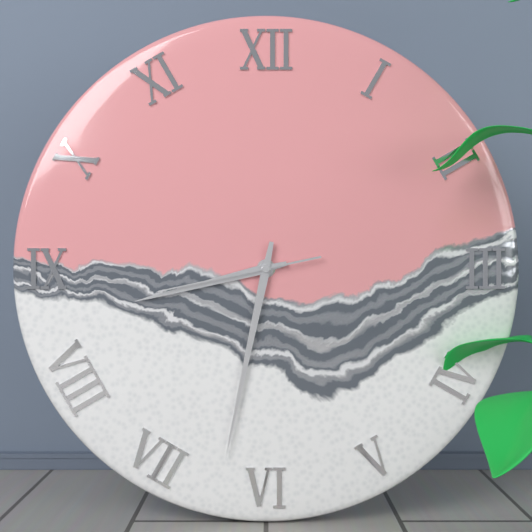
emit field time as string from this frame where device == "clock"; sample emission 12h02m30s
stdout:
8h32m43s
